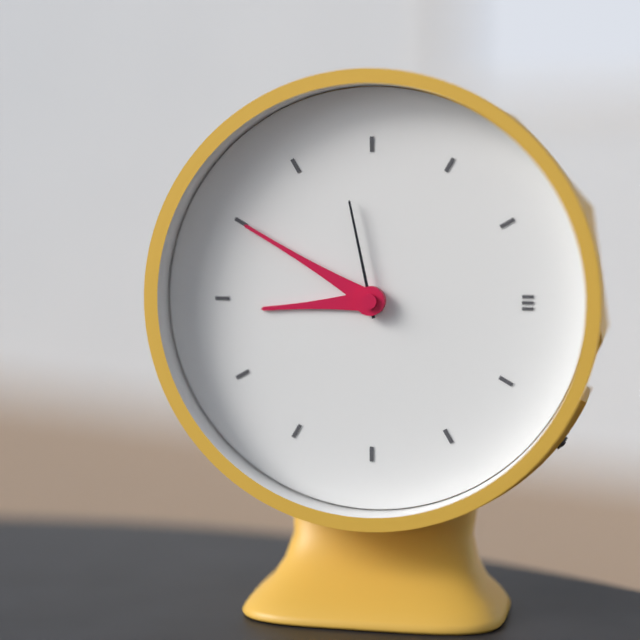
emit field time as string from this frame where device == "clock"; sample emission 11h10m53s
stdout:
8h50m58s
